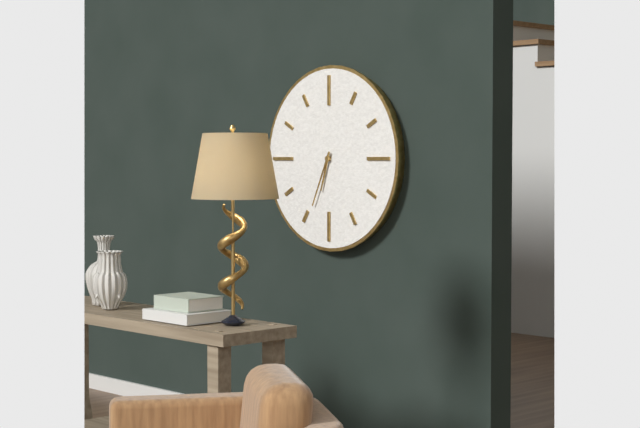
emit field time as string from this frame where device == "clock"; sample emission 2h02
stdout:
6h34
